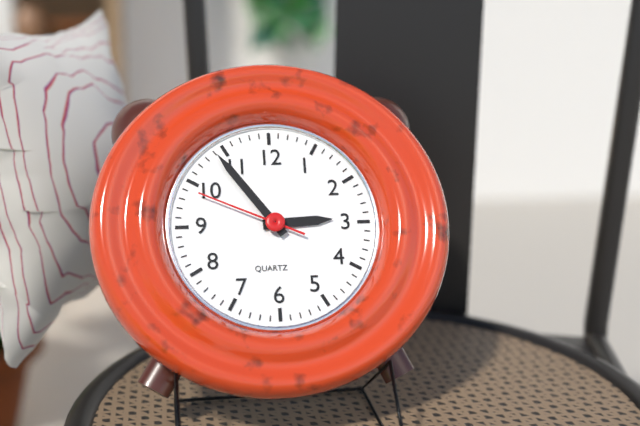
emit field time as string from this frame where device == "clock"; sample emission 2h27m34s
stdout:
2h54m49s
